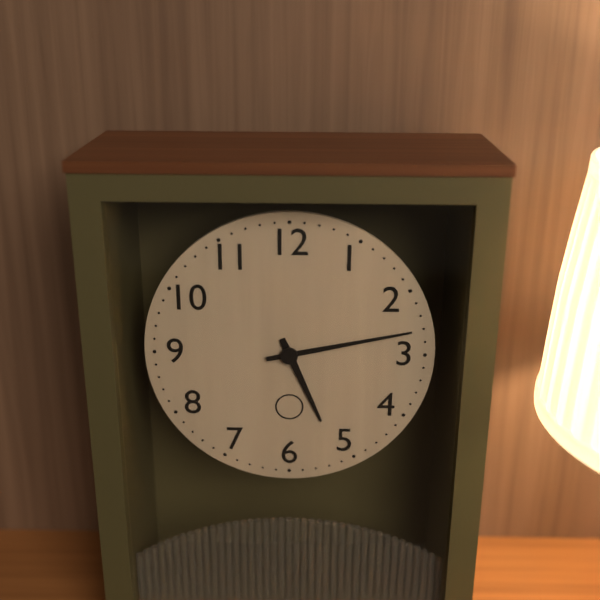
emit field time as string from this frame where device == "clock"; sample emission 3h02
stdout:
5h13
